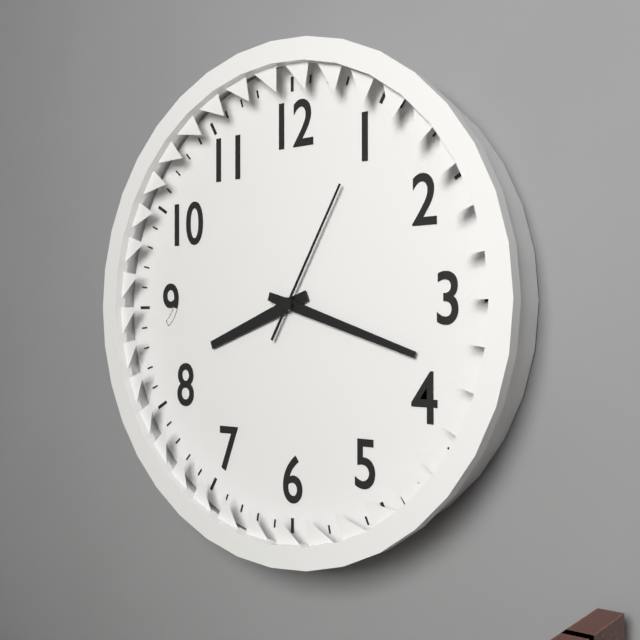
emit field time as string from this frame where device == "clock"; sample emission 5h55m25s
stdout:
8h18m05s
